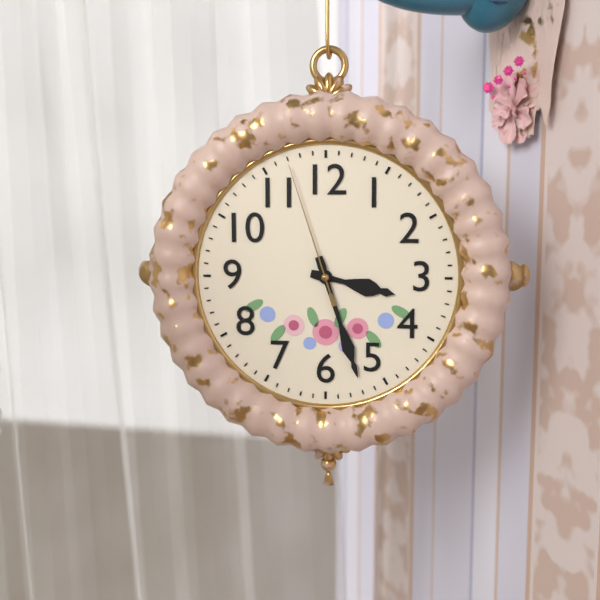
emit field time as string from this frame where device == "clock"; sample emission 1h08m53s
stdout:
3h27m57s
